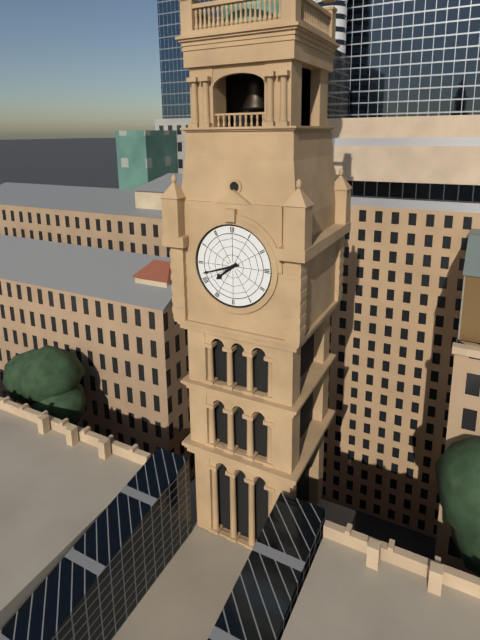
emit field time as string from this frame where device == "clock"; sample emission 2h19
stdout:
7h42
